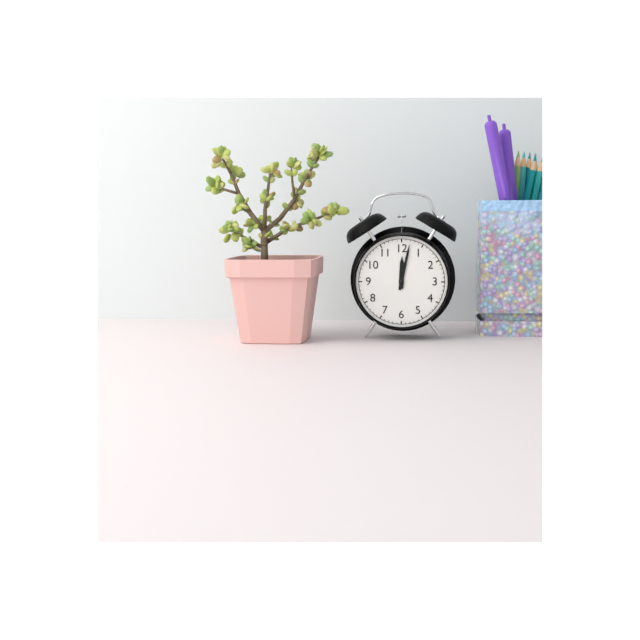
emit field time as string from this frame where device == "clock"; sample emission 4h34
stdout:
12h02
